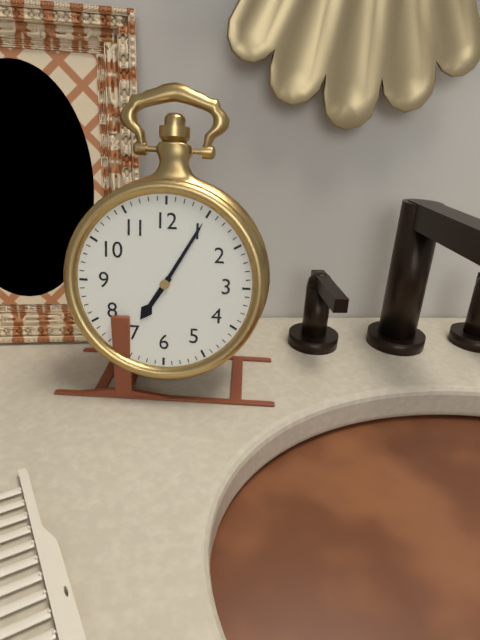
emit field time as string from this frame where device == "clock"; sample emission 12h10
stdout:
7h05
